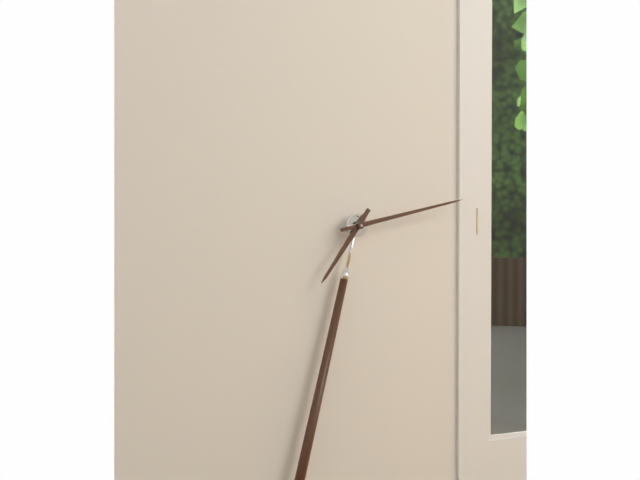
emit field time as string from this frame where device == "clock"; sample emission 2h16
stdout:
7h13
